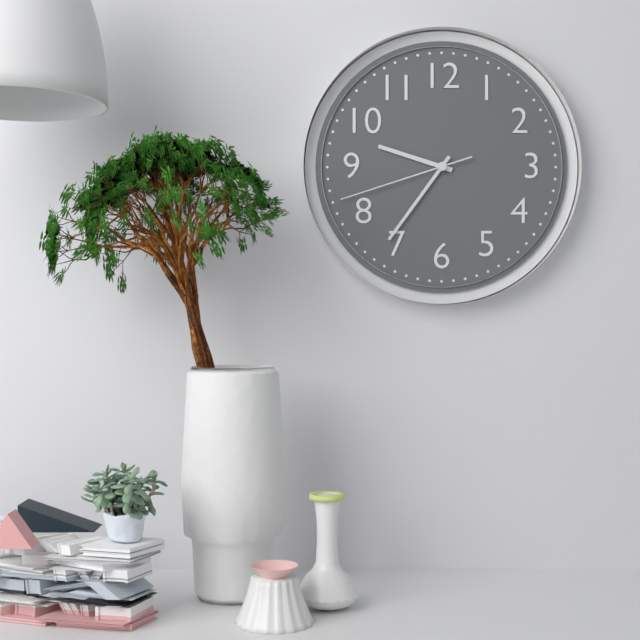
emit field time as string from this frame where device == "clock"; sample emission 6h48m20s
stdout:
9h36m42s
